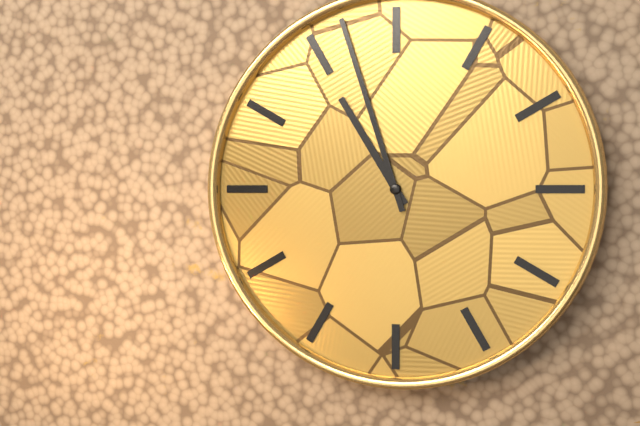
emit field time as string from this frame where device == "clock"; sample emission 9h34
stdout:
10h57
